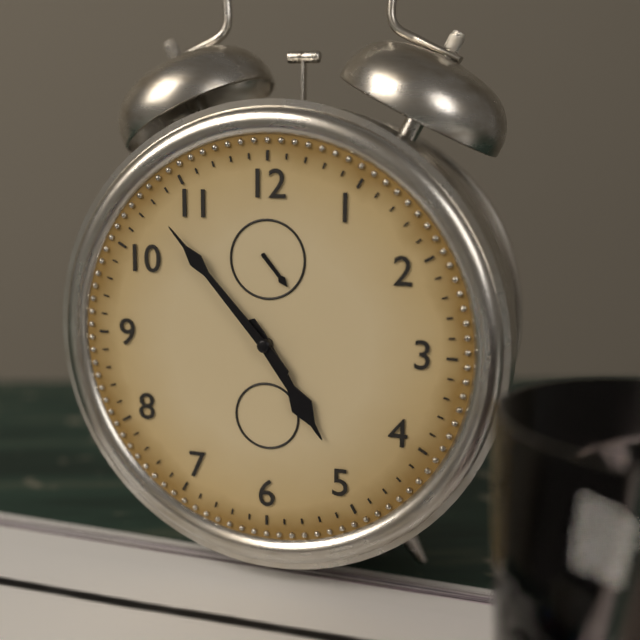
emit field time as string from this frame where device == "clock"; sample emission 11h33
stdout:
4h53
